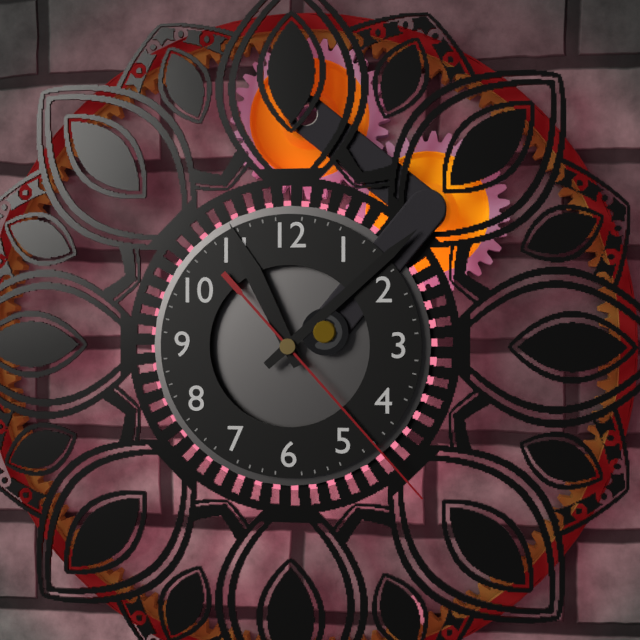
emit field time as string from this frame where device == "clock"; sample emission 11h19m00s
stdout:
11h08m23s
